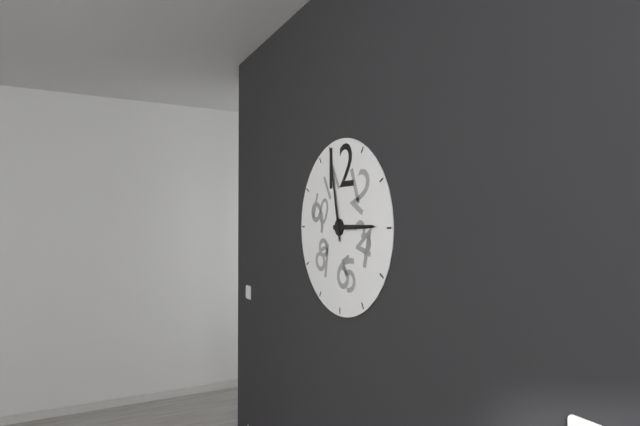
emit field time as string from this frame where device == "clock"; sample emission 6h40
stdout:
2h58
